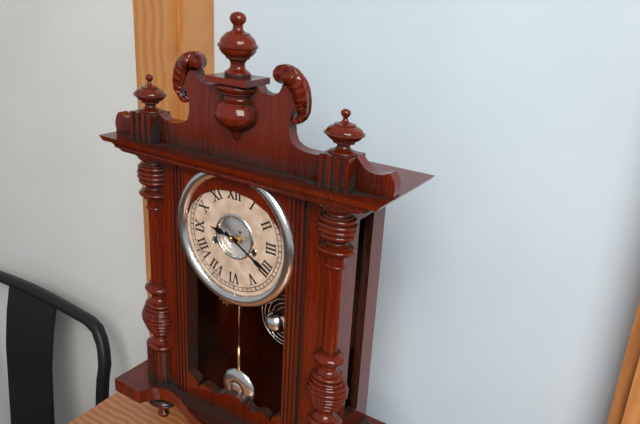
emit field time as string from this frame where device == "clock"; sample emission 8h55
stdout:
9h20
